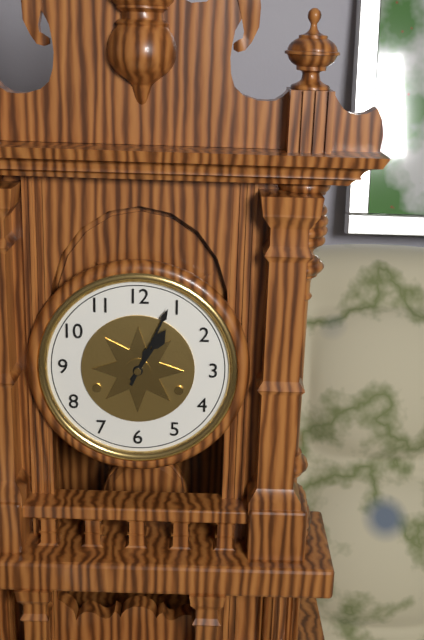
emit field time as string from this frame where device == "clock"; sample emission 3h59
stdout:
1h04
